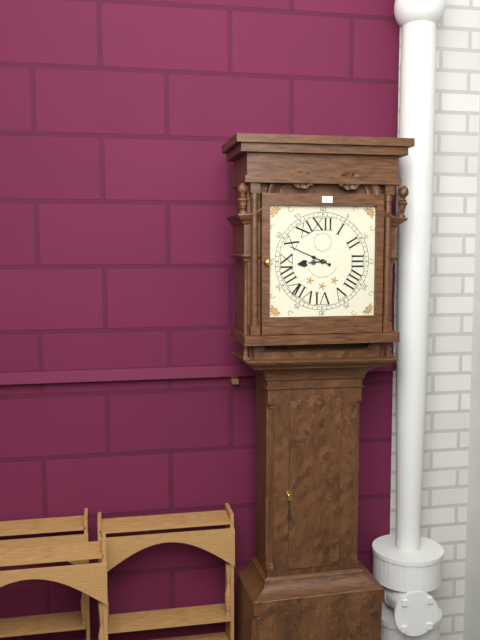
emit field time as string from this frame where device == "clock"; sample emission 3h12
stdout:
8h49
